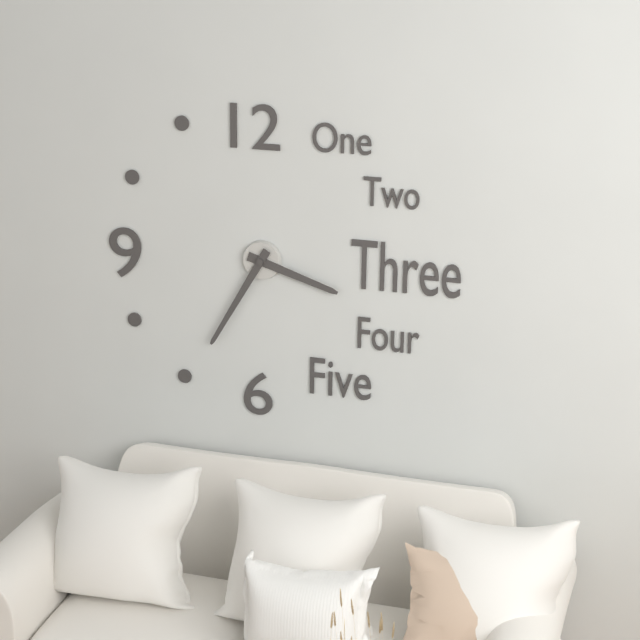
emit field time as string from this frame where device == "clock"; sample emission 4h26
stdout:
3h35
